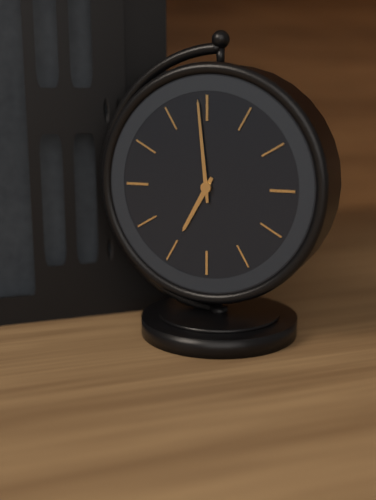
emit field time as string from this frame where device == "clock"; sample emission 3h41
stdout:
6h59
